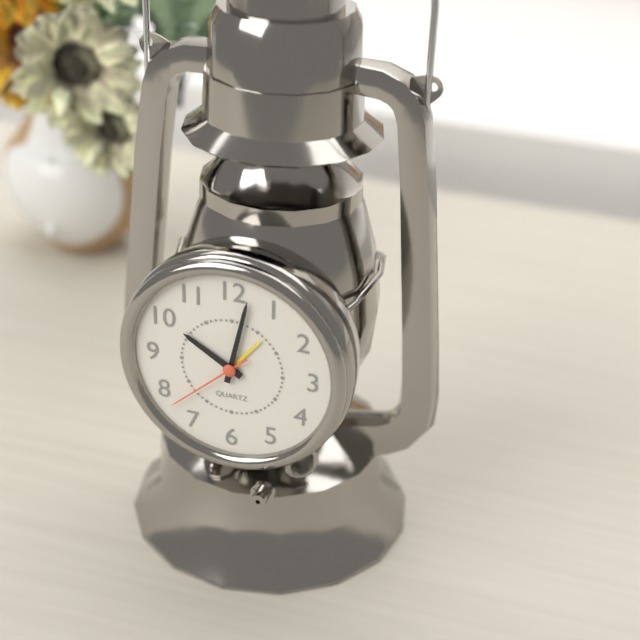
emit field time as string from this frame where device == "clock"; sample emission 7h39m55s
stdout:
10h02m38s
